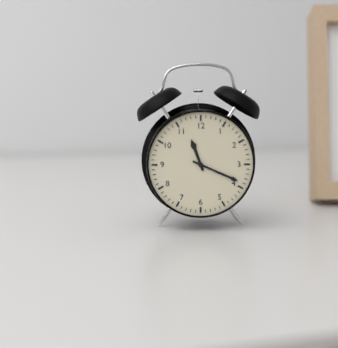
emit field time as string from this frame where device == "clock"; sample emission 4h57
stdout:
11h19
